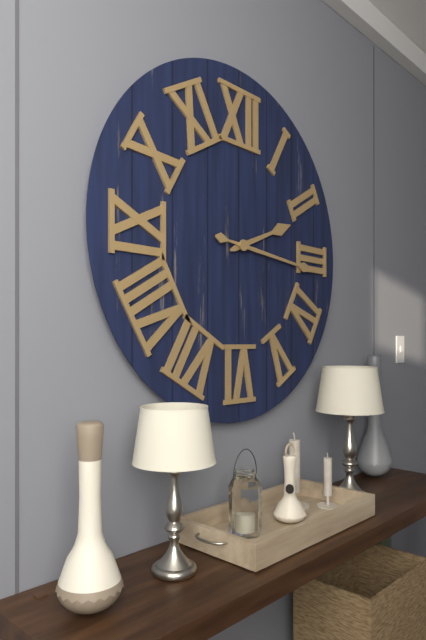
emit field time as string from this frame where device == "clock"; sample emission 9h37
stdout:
2h16
